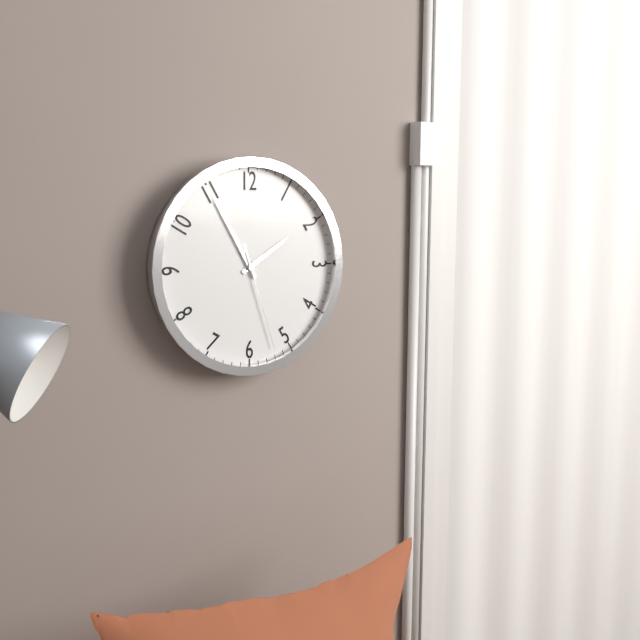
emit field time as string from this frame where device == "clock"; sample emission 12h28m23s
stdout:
1h55m27s
